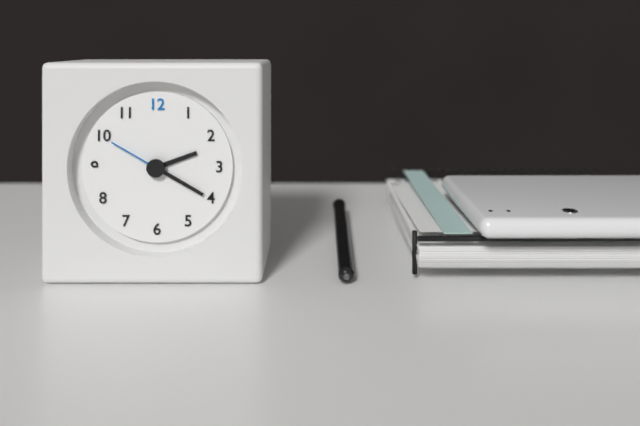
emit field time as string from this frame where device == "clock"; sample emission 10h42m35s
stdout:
2h20m50s
